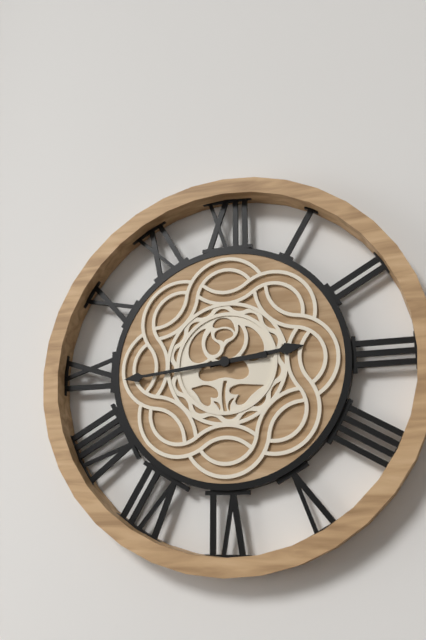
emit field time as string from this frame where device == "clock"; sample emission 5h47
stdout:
2h44
